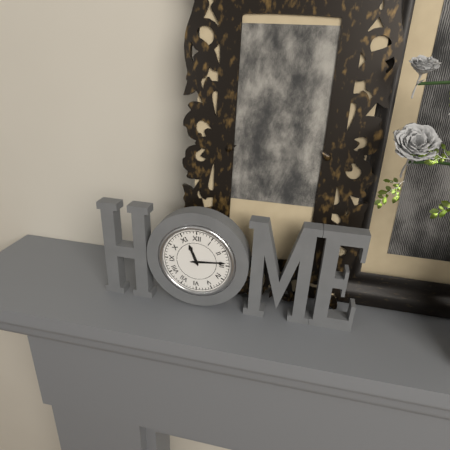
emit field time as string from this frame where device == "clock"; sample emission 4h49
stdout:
11h14
